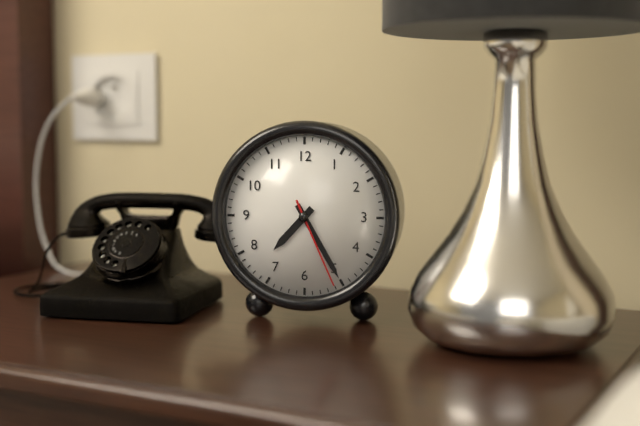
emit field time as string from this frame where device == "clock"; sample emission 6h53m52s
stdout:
7h25m26s
